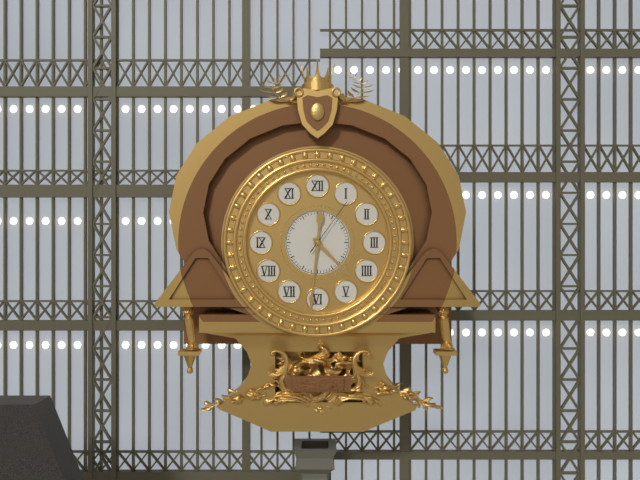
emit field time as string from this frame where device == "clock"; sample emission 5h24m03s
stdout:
4h31m06s
